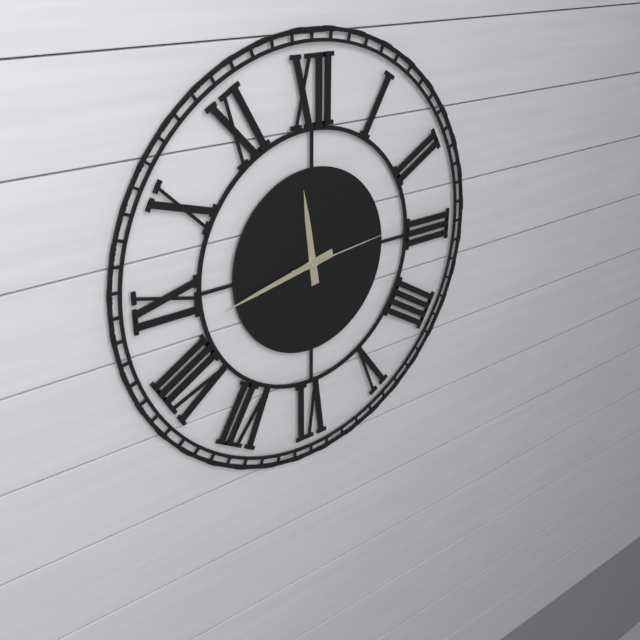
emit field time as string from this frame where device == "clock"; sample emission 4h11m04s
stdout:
11h43m14s
